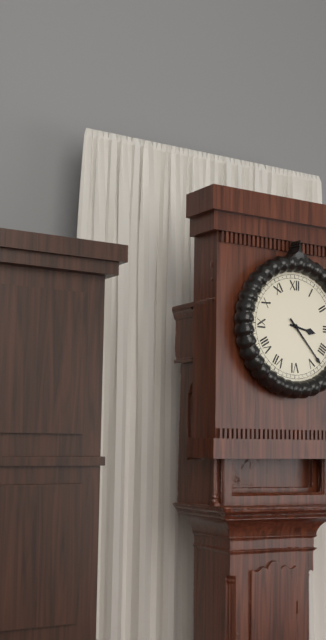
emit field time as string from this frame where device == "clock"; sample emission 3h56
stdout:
3h23
